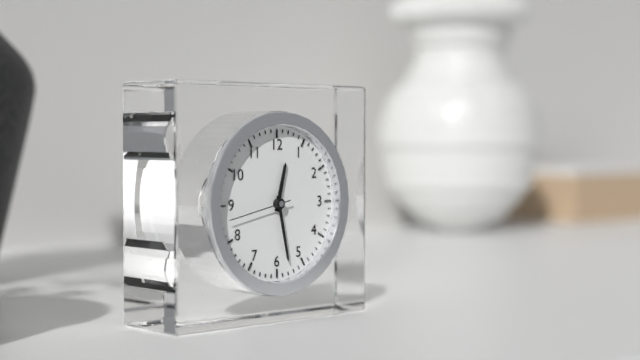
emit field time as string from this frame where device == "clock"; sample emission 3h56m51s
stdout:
12h28m43s
